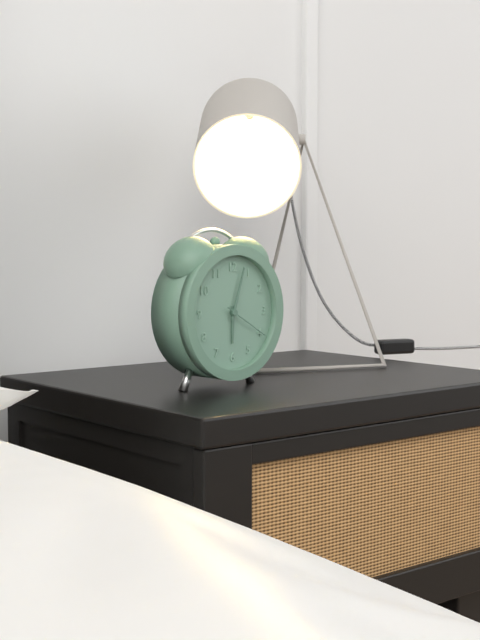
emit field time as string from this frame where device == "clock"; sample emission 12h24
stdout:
6h03
